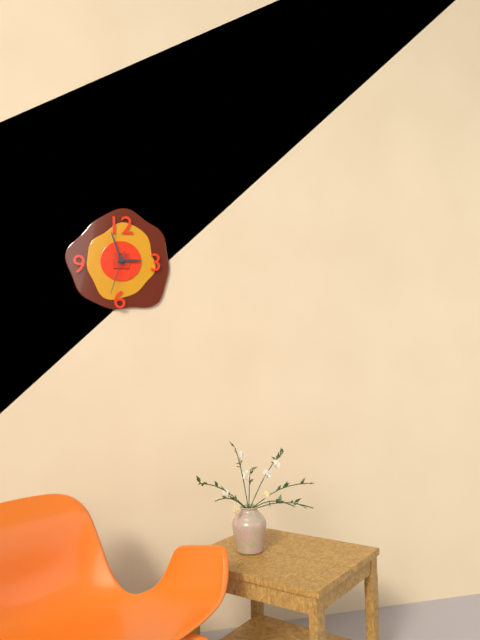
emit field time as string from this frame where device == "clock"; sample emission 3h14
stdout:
2h57
